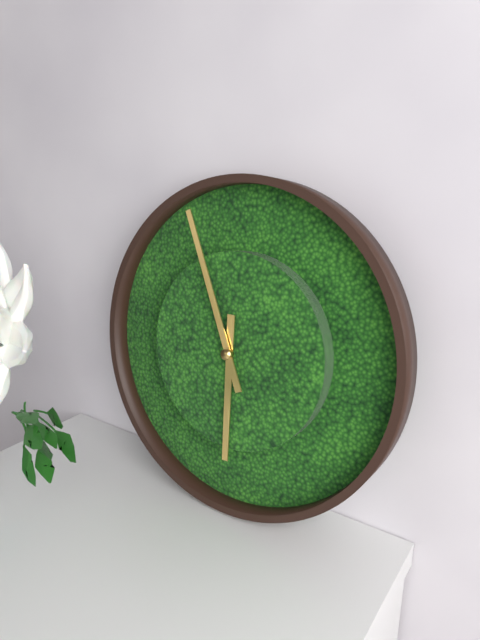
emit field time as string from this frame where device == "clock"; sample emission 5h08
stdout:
5h56
